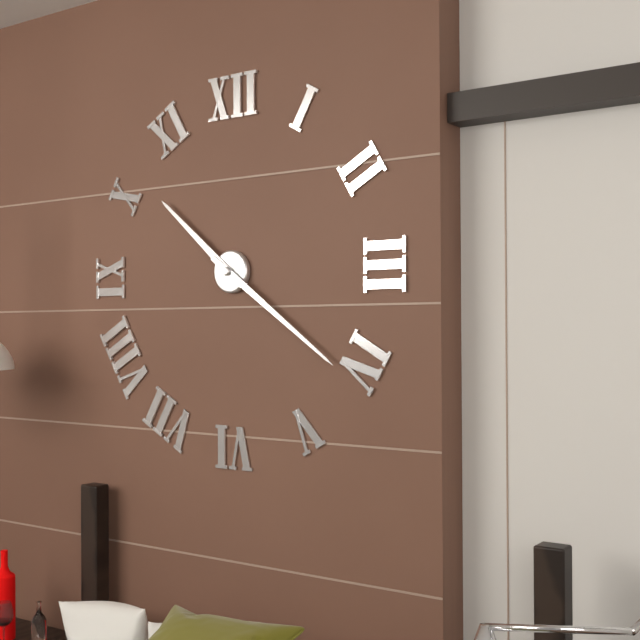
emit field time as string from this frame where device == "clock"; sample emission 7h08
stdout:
10h21
